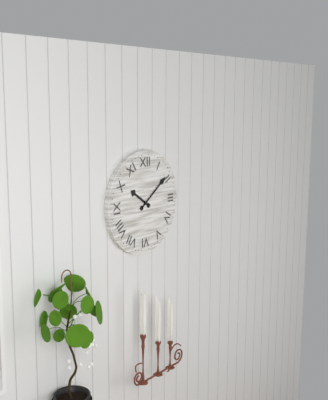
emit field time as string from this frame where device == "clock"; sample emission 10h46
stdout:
10h09
